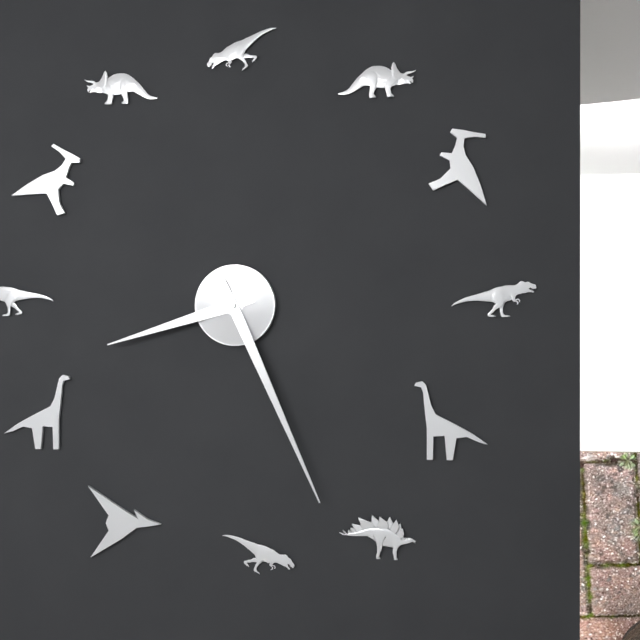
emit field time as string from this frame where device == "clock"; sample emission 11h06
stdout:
8h26
